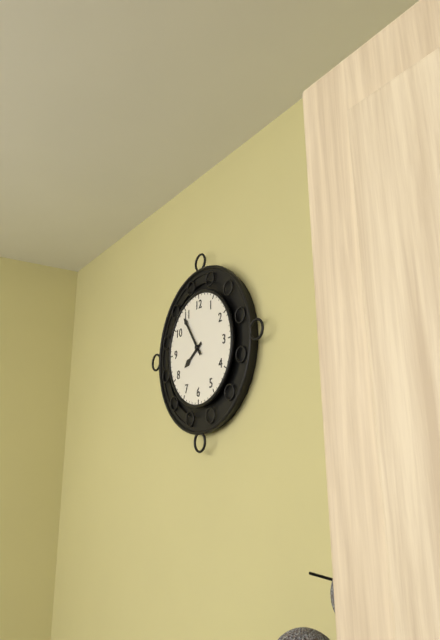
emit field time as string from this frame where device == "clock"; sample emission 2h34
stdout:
7h54
